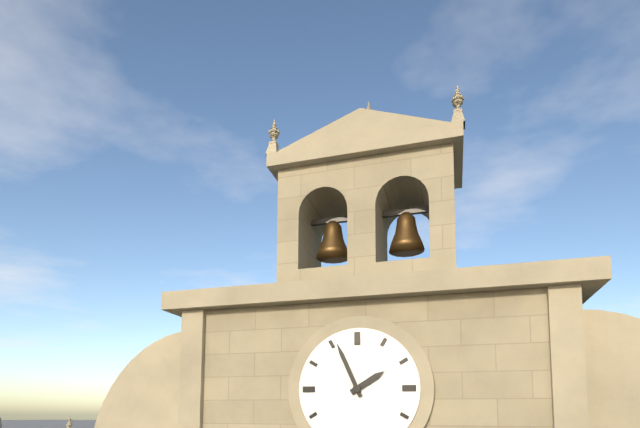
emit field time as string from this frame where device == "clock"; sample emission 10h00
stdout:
1h56
